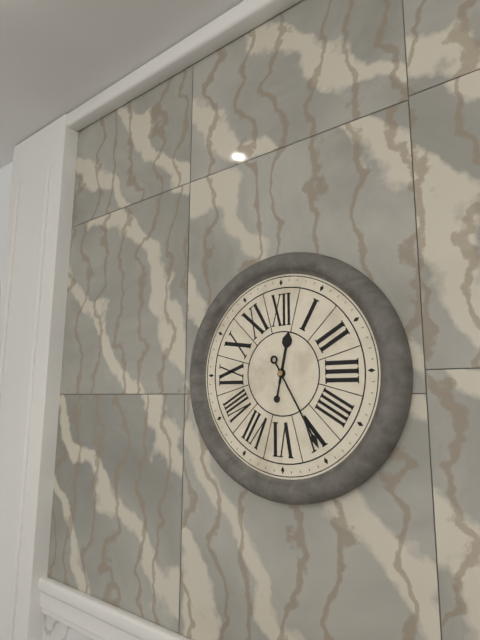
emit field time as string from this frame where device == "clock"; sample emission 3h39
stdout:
12h25
